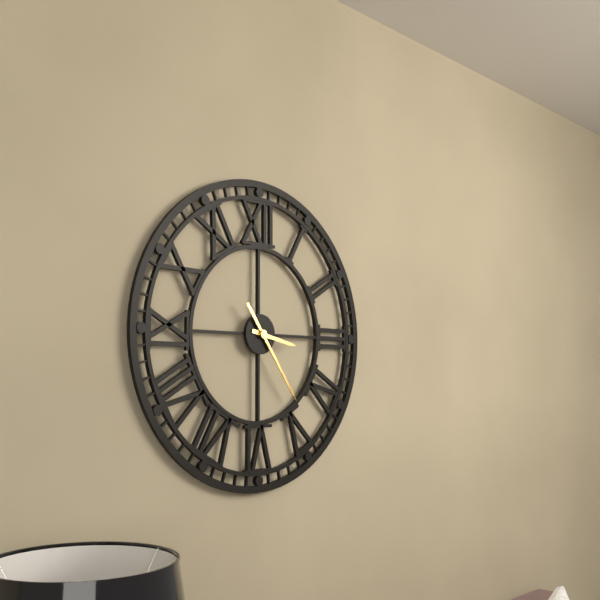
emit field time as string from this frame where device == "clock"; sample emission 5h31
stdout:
3h24
